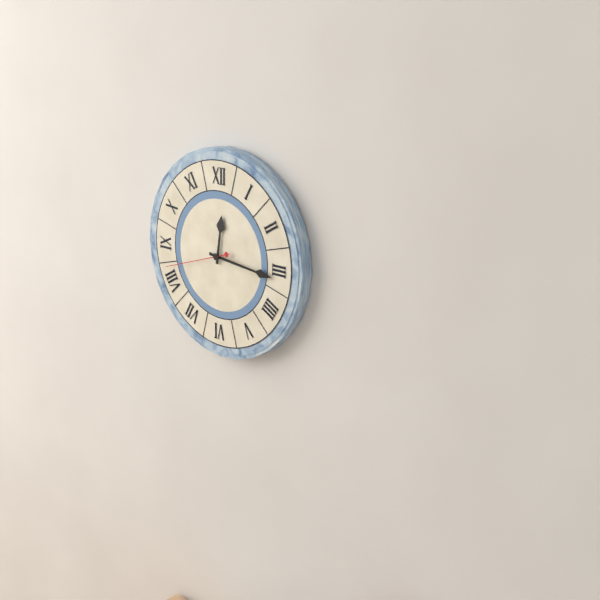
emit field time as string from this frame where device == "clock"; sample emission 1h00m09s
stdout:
12h16m42s
